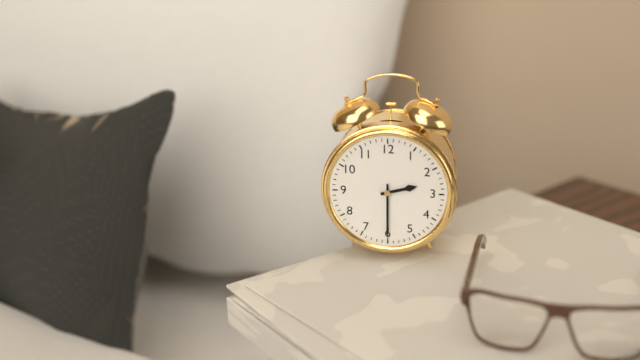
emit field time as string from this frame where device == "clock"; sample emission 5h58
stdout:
2h30
